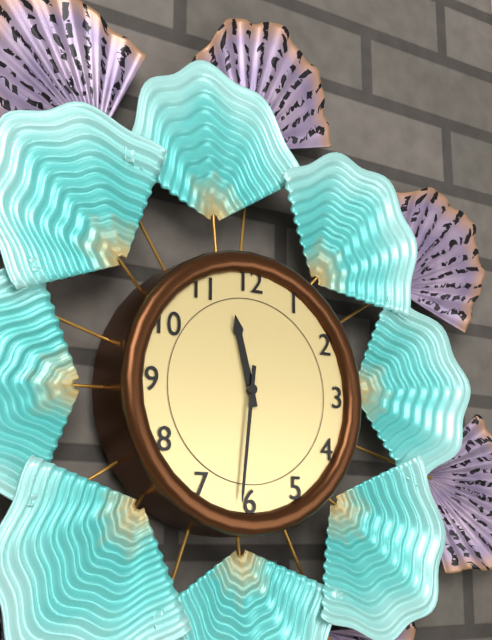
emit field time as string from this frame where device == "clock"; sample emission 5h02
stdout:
11h31
